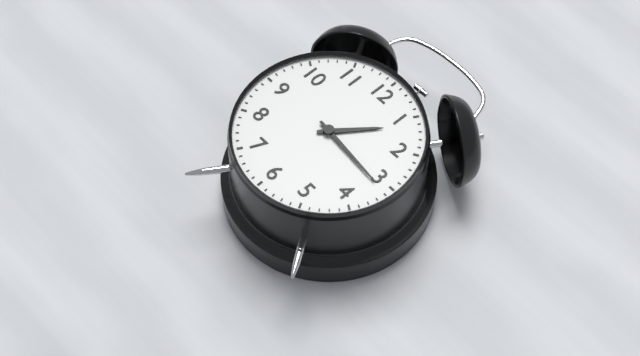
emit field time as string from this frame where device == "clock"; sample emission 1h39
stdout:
1h16
